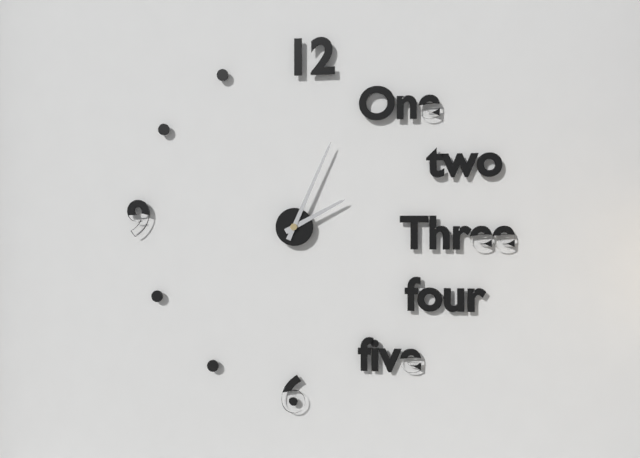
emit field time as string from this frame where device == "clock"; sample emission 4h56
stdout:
2h04
